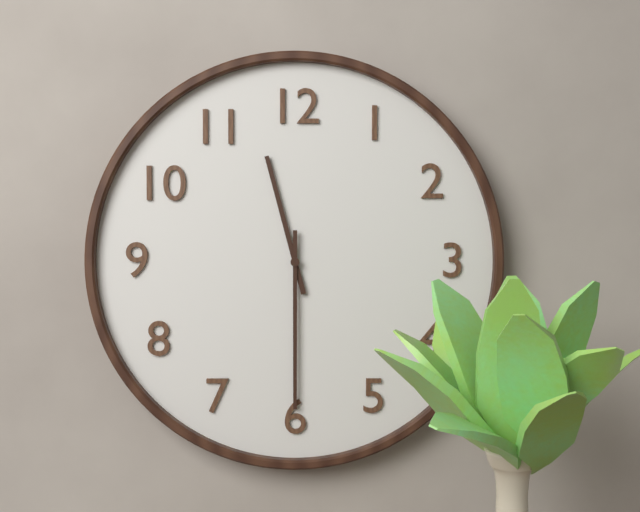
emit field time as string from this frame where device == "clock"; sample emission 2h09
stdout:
11h30
